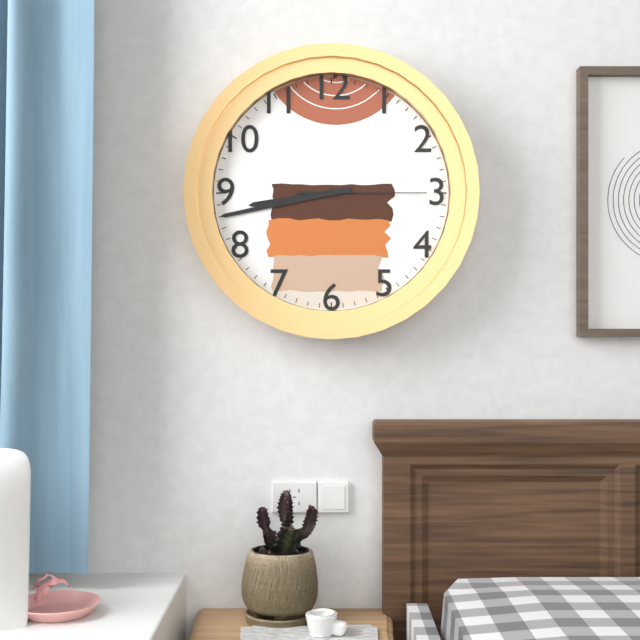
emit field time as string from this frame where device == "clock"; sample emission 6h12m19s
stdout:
8h43m15s
